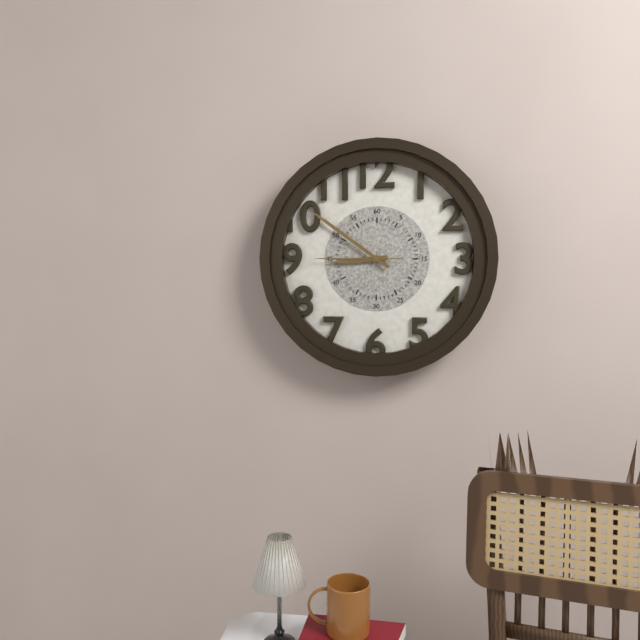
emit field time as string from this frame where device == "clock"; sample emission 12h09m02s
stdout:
8h51m45s
